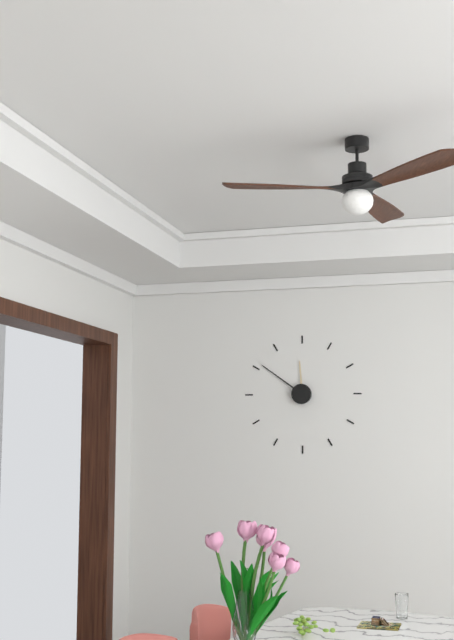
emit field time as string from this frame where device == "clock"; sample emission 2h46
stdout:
11h51
